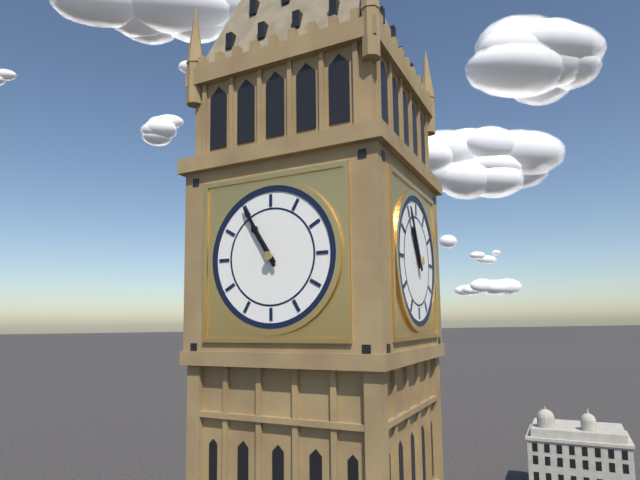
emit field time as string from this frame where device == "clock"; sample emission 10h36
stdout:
10h55
